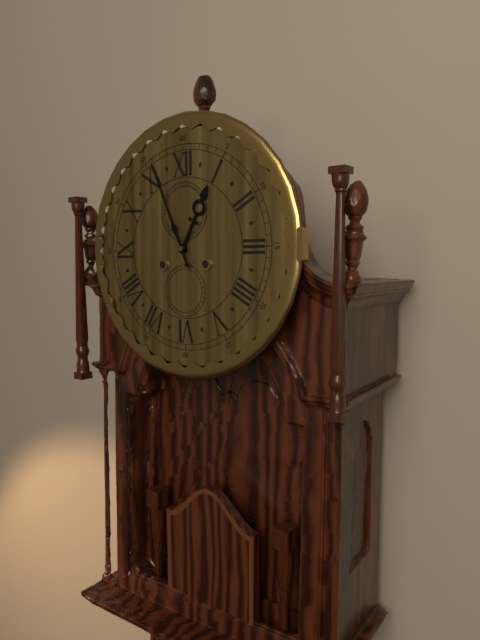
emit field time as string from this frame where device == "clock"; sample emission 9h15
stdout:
12h56
